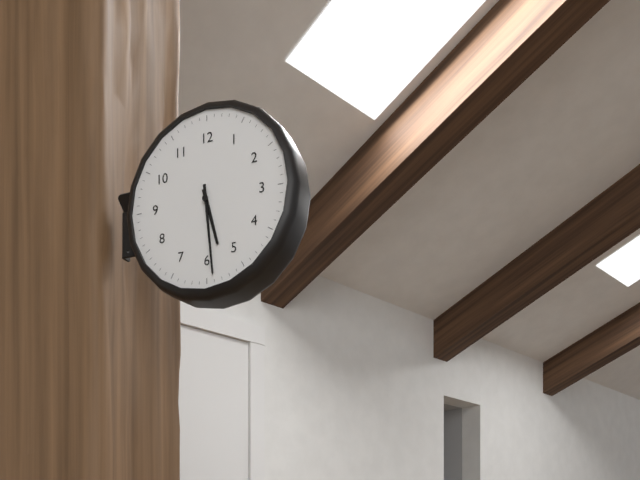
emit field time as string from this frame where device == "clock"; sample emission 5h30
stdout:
5h29
